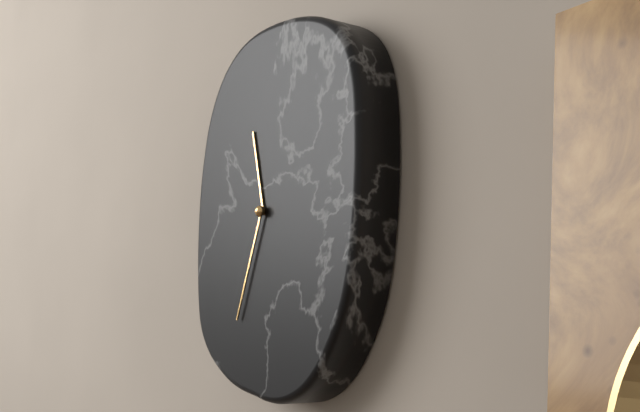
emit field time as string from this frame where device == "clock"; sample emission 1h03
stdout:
11h34
